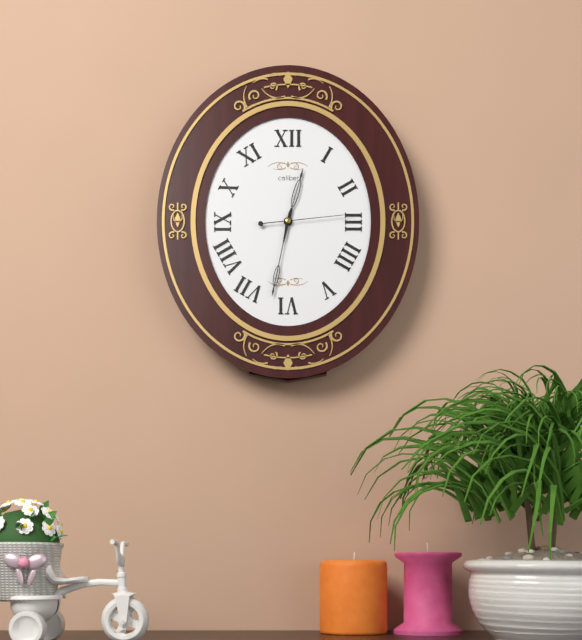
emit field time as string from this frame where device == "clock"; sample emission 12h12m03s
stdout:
12h32m14s
